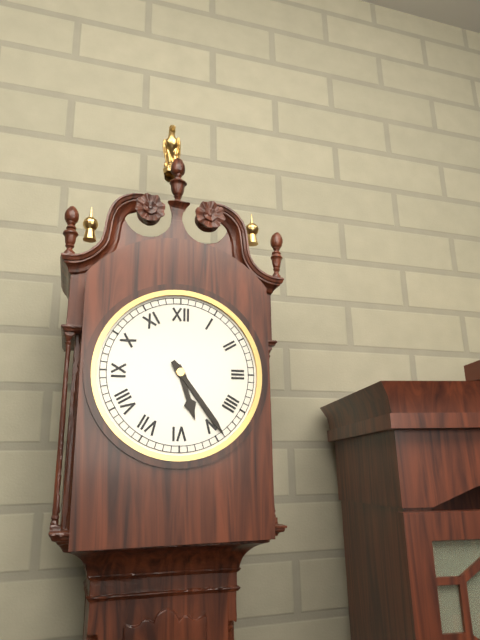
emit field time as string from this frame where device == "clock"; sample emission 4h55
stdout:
5h24
